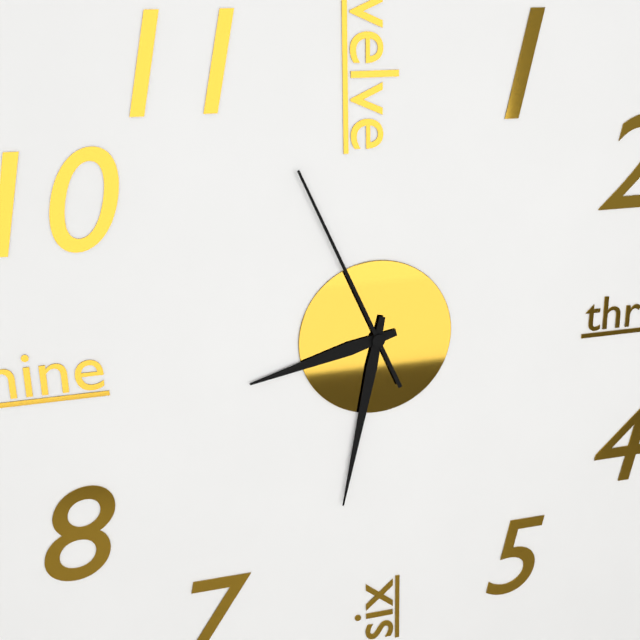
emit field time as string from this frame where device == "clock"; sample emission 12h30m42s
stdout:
8h32m56s
